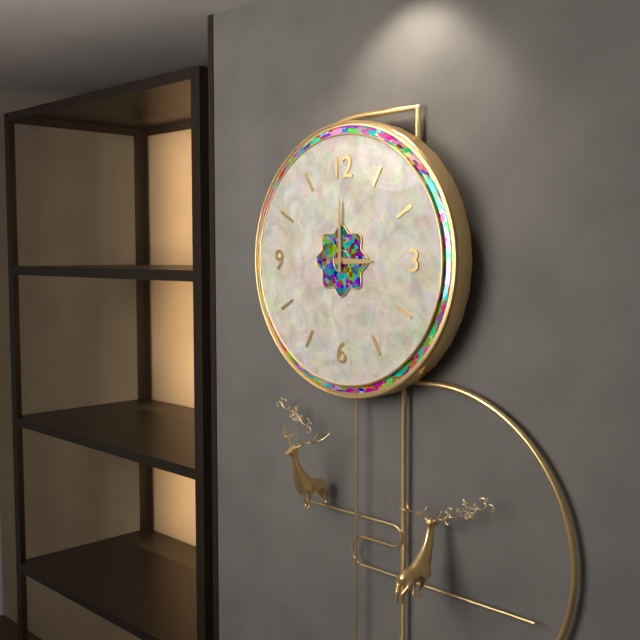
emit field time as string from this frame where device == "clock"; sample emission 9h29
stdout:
3h00
